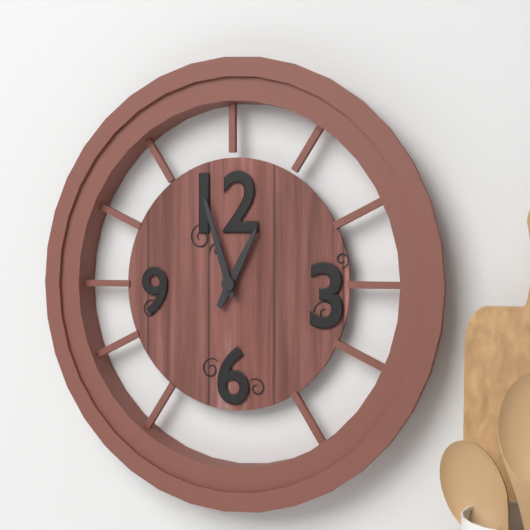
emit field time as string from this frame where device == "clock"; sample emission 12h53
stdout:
12h57
